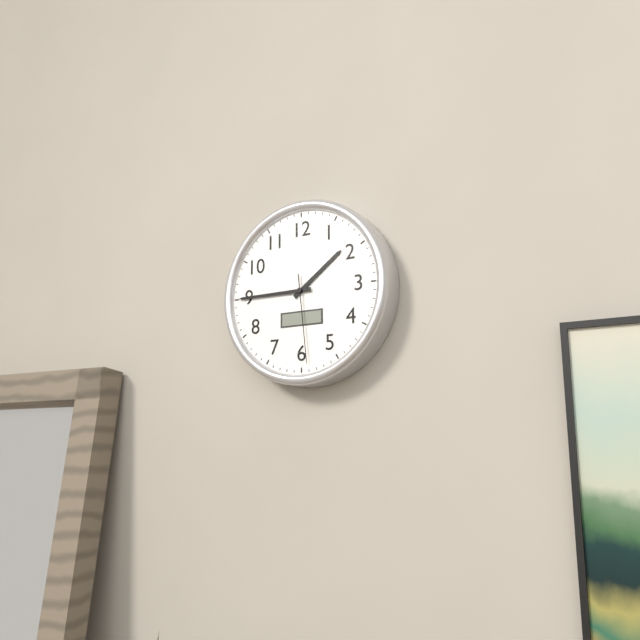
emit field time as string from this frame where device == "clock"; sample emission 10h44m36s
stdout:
1h45m29s
